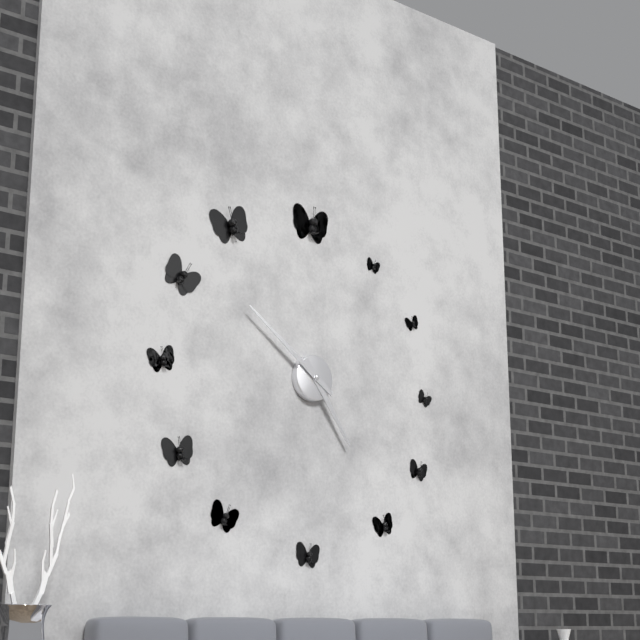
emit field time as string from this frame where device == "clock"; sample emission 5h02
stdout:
4h51
